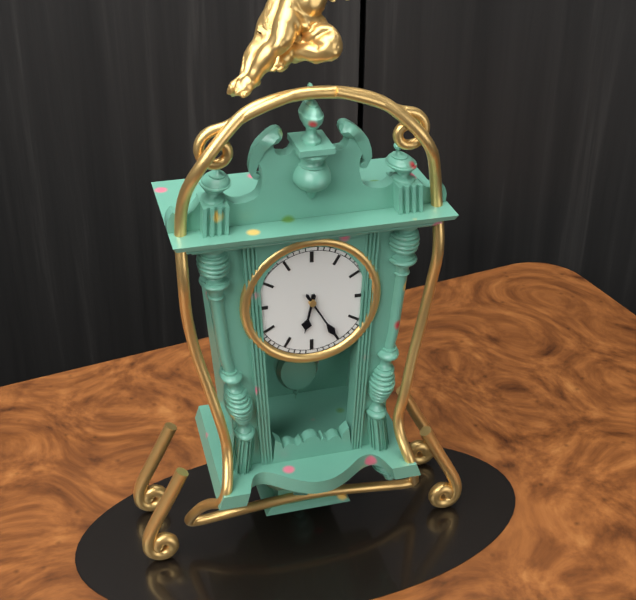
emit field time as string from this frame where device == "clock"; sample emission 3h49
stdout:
6h25
